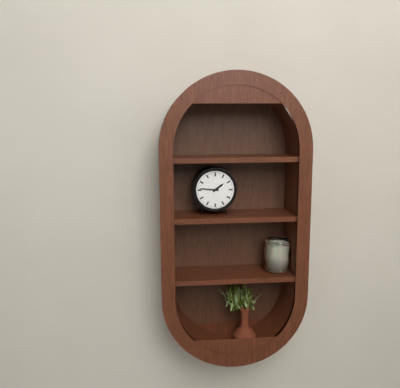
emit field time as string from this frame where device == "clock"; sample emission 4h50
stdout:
1h46
